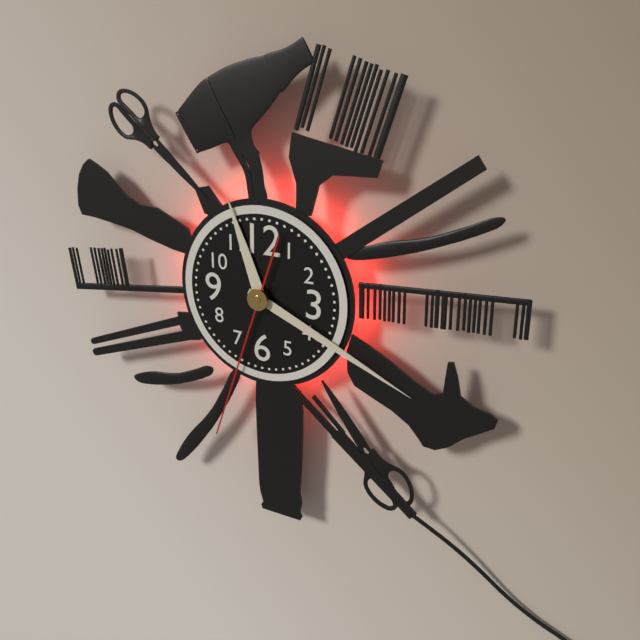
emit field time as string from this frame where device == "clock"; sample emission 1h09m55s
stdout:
11h19m33s
